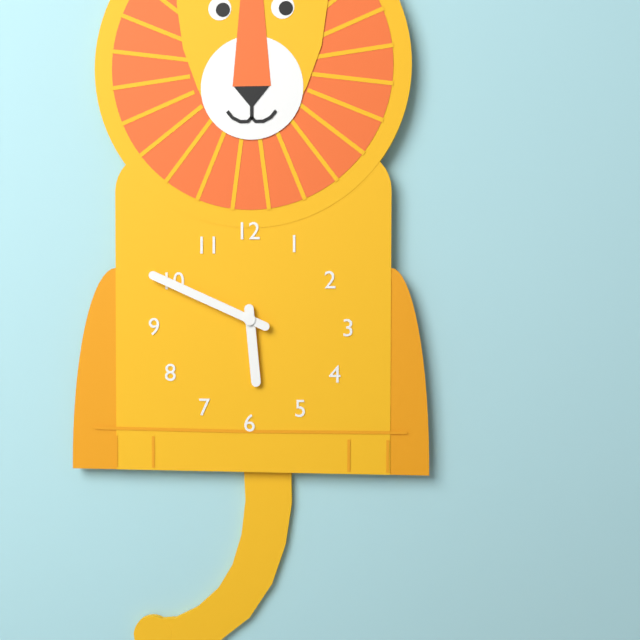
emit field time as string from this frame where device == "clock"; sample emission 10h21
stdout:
5h49
